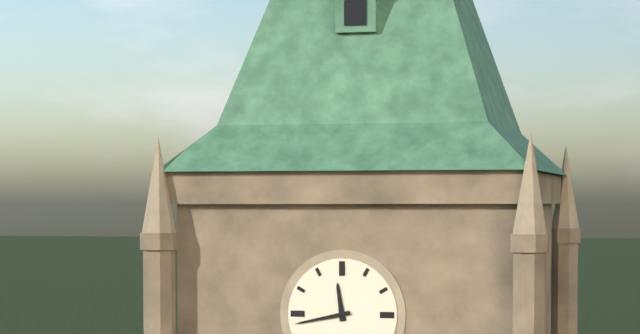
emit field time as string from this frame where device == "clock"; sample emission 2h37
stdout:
11h43
